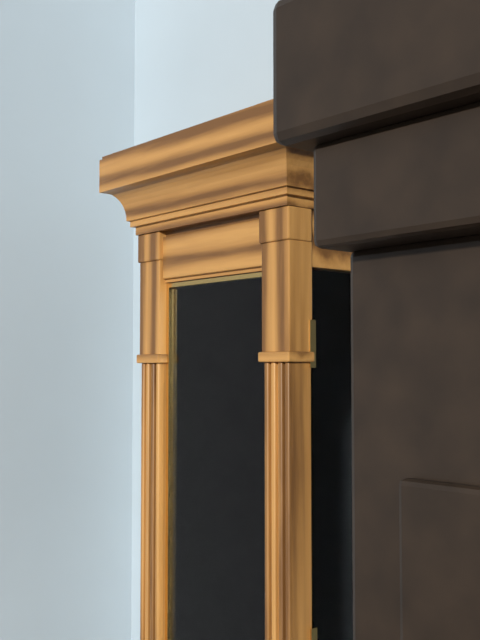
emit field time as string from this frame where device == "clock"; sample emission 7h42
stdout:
3h13
